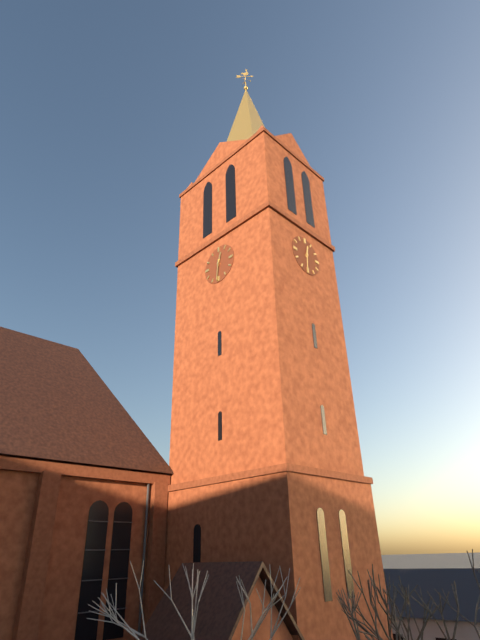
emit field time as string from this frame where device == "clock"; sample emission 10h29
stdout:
12h31
